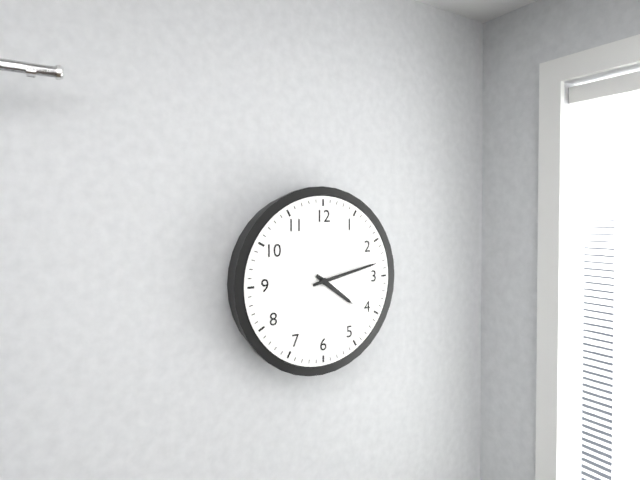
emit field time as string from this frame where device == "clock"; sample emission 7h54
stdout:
4h13
